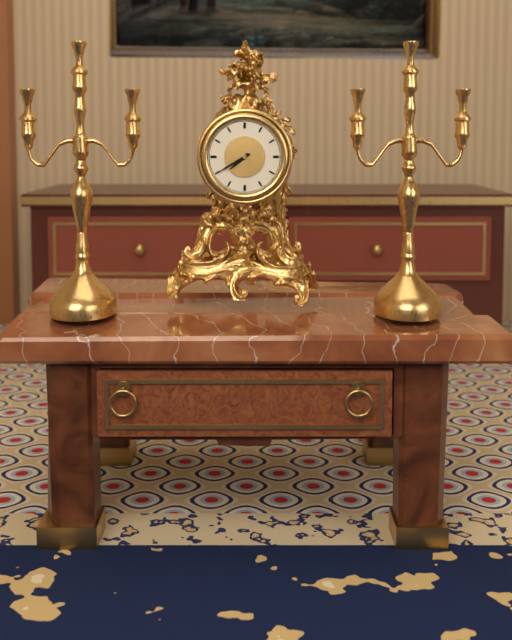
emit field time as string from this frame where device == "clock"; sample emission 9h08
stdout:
7h40
